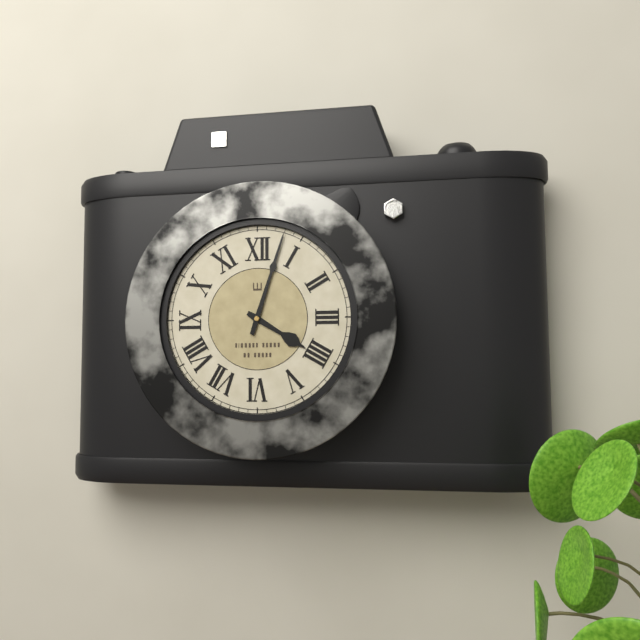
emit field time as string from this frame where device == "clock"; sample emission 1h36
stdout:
4h03
